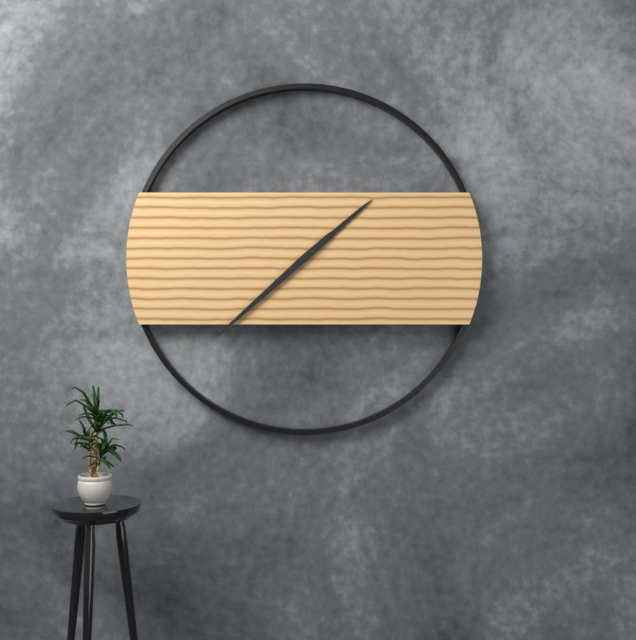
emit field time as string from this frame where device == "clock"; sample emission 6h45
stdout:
1h38
